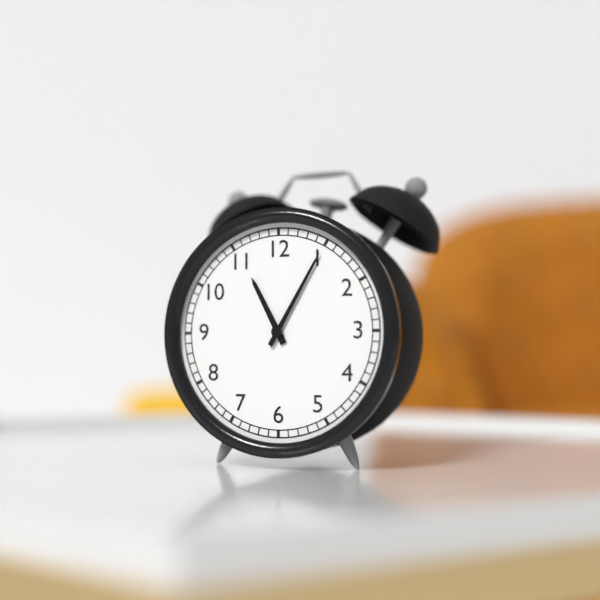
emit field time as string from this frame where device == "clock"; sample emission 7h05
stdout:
11h05
